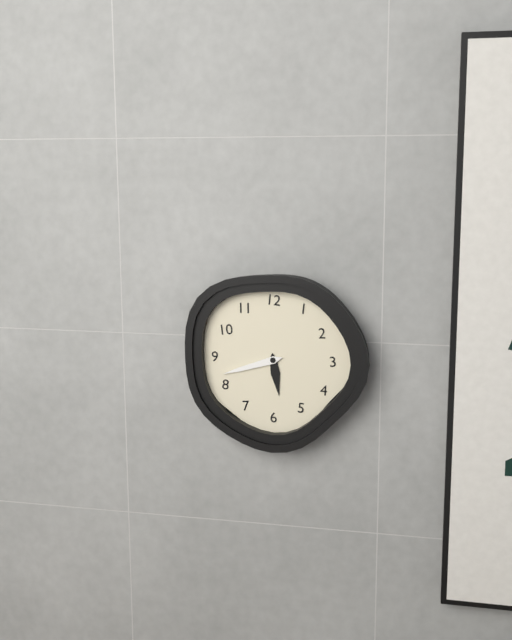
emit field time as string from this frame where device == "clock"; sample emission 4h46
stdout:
5h42
